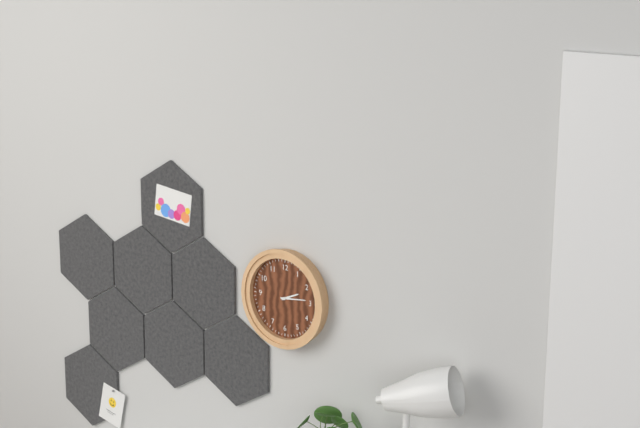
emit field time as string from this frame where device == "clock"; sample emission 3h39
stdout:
2h14
